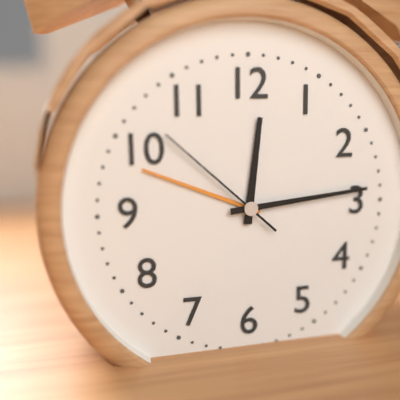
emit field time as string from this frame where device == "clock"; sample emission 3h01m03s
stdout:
12h14m52s
